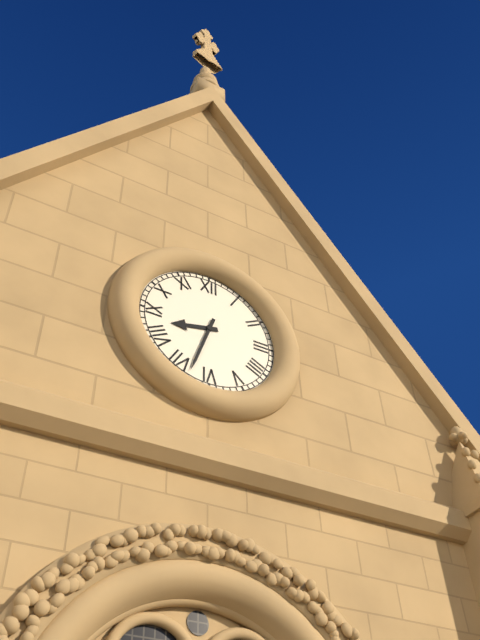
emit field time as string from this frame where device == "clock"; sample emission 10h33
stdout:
8h33
